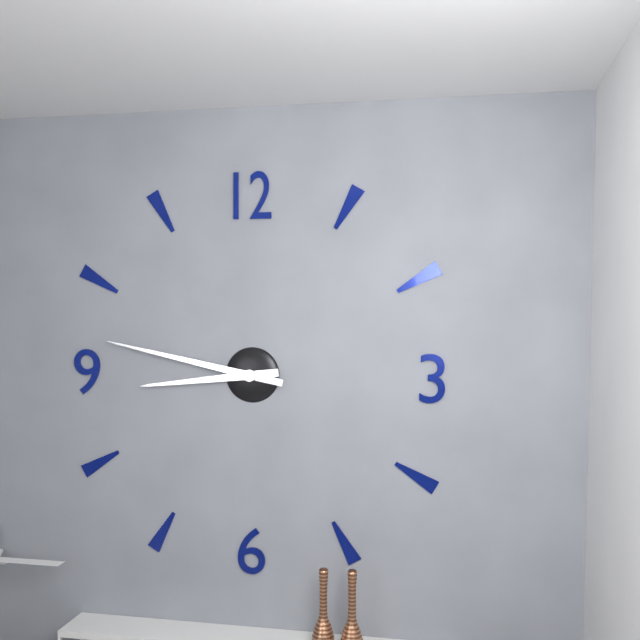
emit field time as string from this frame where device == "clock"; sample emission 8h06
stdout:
8h47
